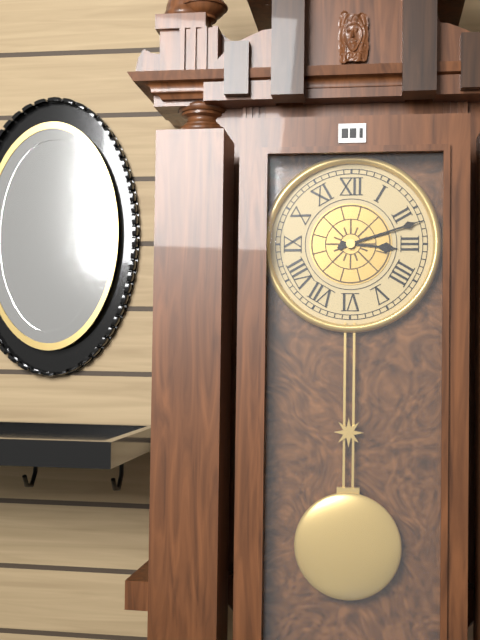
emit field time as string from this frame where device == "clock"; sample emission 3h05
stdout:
3h12
